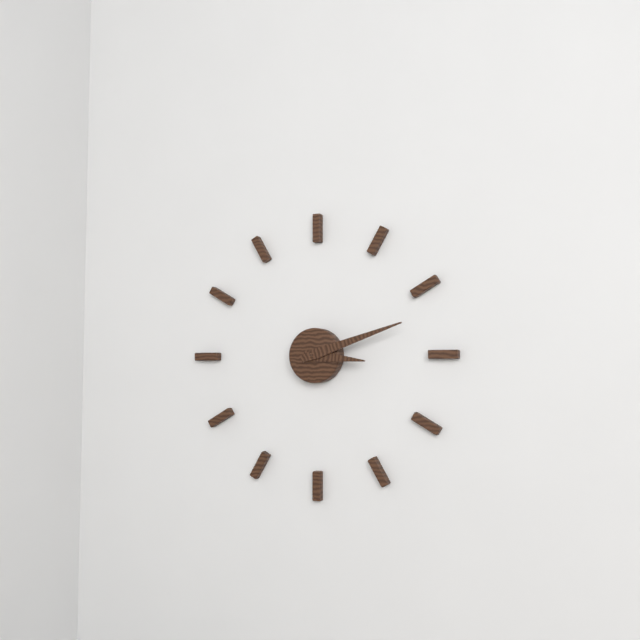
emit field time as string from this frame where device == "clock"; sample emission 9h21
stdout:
3h12
